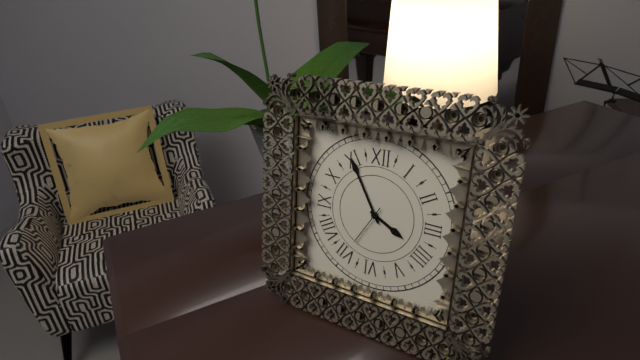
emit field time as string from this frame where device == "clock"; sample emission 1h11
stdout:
3h55
